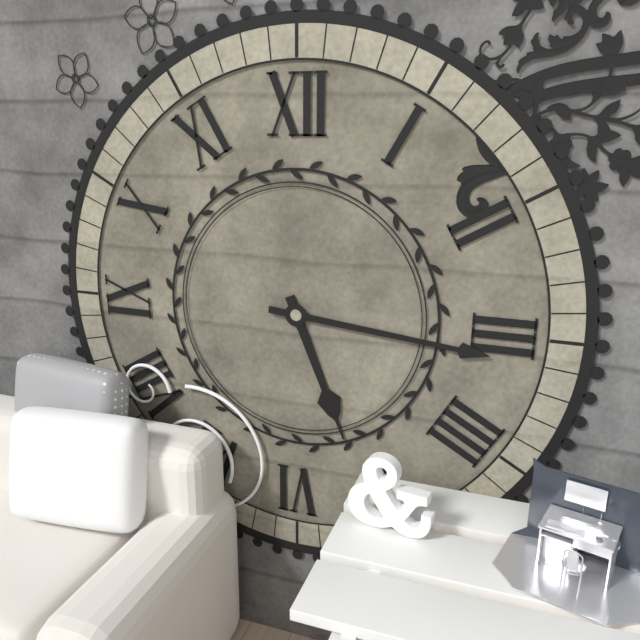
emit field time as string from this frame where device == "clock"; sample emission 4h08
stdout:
5h16
